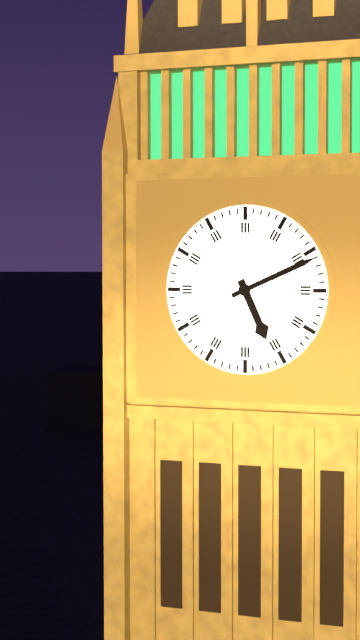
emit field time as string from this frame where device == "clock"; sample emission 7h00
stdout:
5h11
